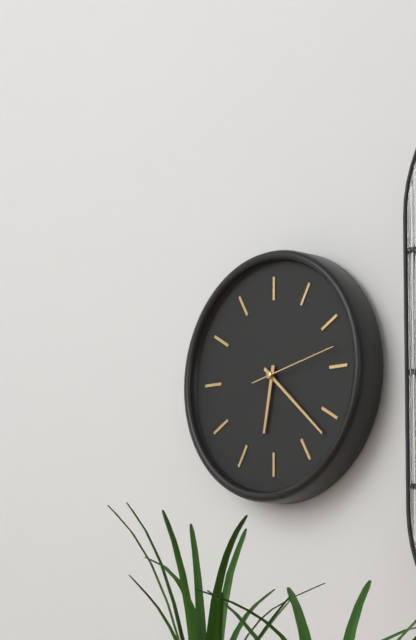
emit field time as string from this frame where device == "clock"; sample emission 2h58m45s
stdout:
6h22m13s
